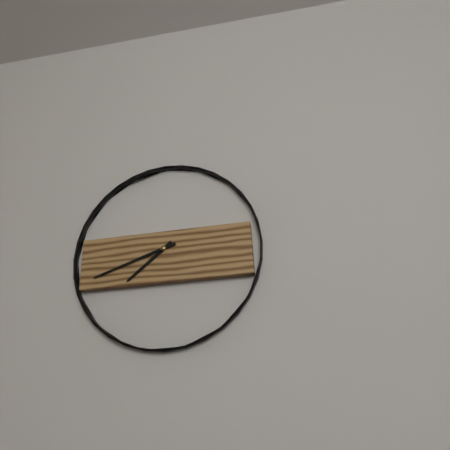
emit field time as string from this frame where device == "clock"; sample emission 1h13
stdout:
7h42
